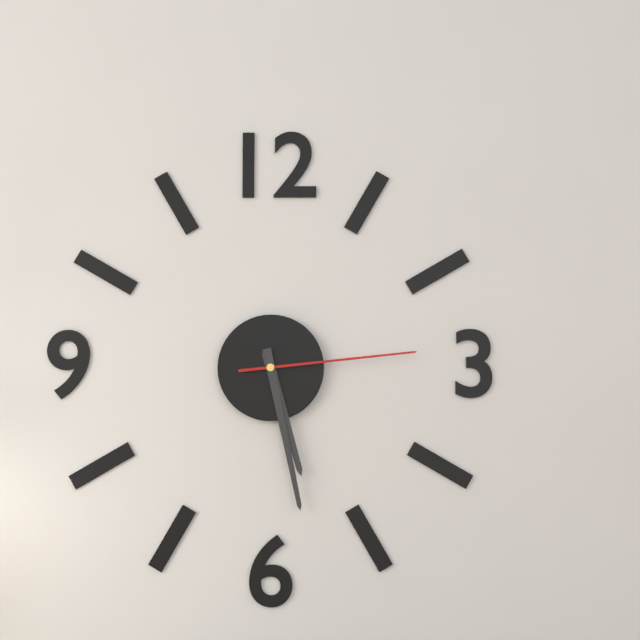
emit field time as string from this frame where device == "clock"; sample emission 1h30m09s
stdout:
5h28m14s
